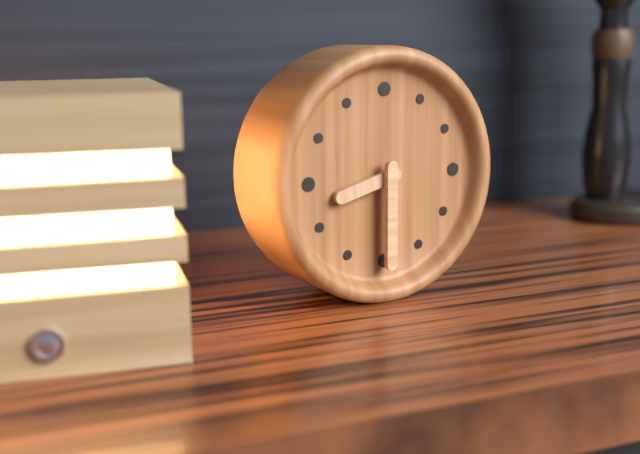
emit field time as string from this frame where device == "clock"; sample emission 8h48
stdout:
8h30
